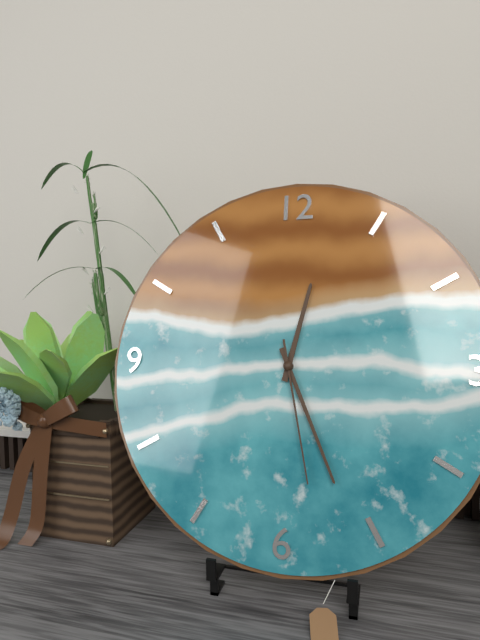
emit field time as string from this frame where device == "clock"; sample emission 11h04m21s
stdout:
12h26m28s
